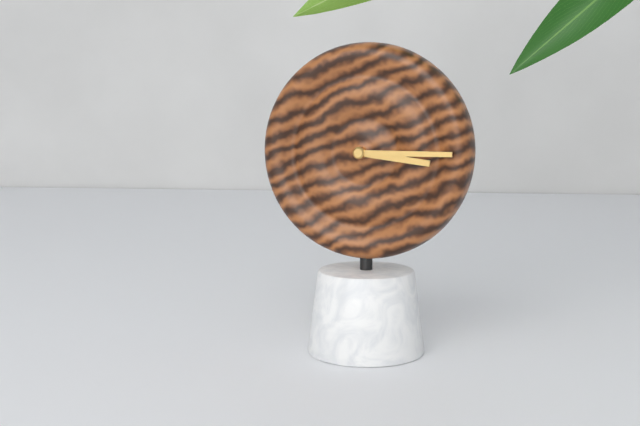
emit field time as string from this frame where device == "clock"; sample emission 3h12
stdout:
3h15
